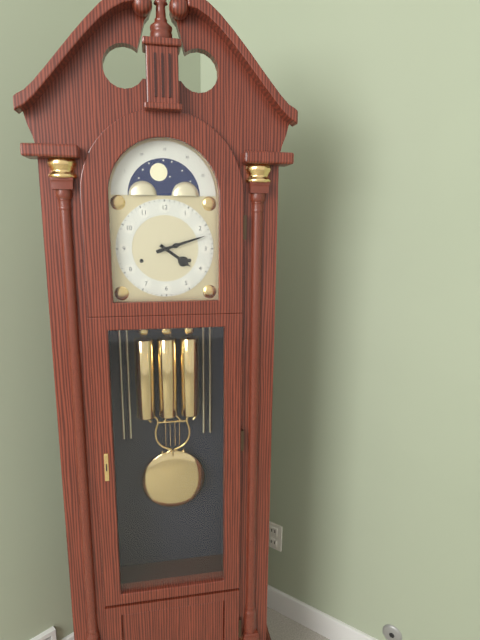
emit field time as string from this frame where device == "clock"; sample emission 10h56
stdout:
4h12
